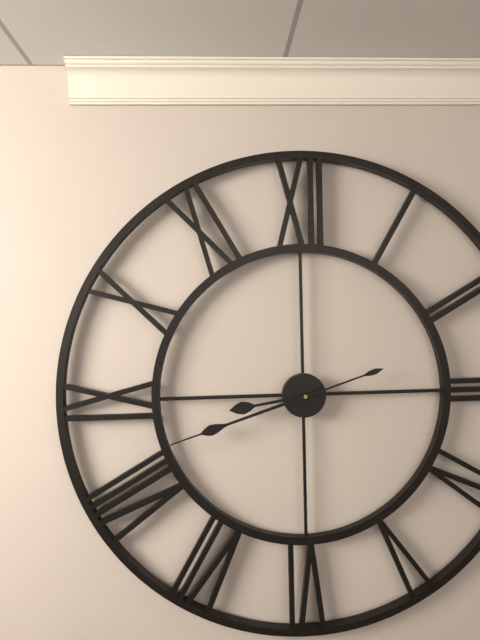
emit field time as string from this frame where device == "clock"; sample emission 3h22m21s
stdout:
8h42m12s
